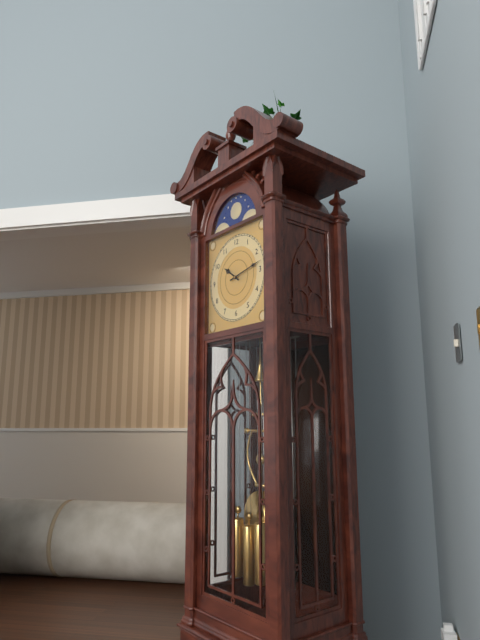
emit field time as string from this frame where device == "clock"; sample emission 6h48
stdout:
10h13
